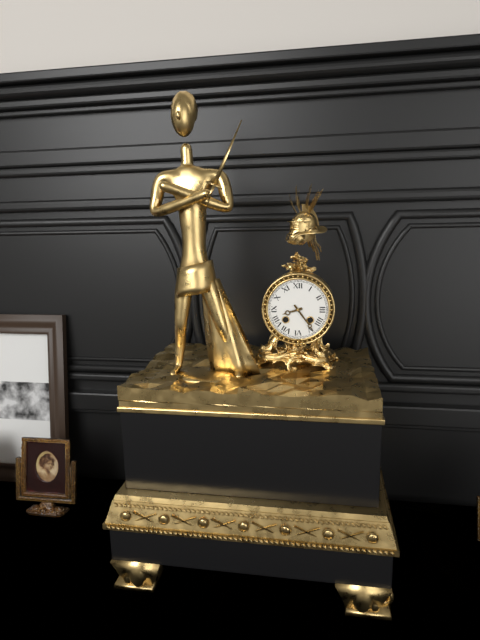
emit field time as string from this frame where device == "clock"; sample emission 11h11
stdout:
8h24
